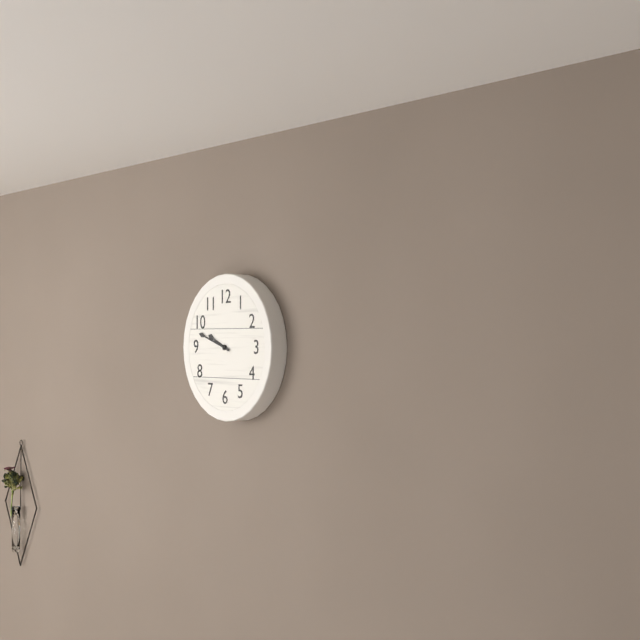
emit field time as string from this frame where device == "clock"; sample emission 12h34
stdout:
9h48
